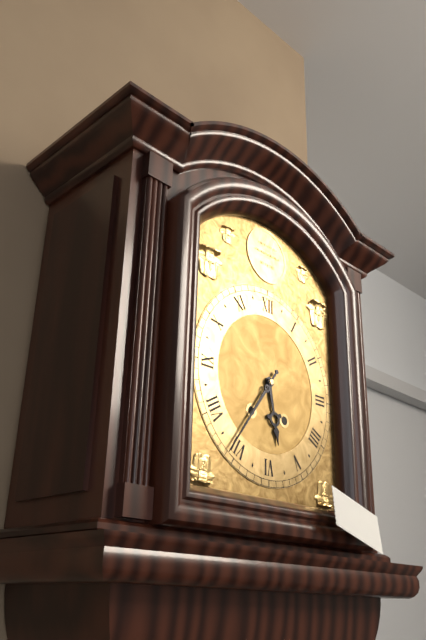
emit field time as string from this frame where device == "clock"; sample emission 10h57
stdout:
5h36
